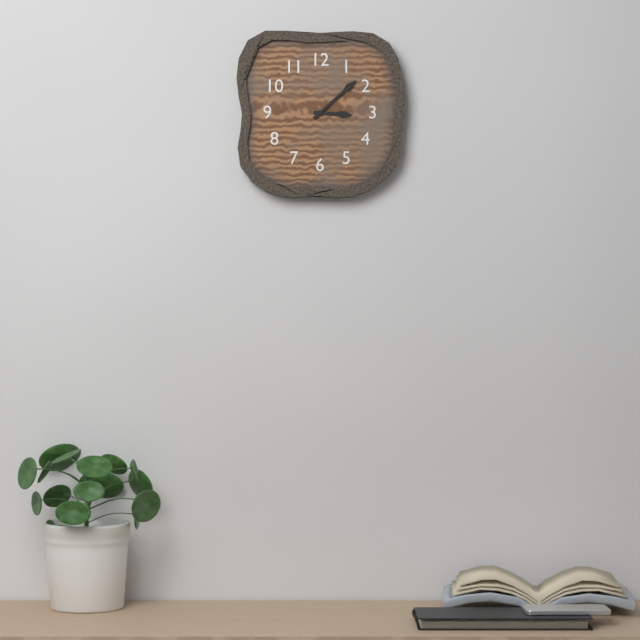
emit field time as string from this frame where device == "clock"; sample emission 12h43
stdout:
3h08
